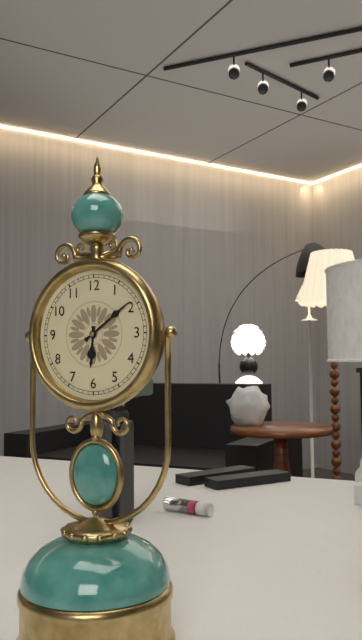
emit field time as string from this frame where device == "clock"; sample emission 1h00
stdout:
6h09
